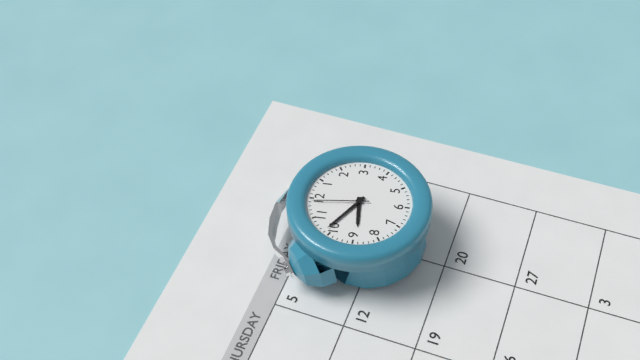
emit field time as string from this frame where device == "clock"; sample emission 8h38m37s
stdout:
8h51m59s
